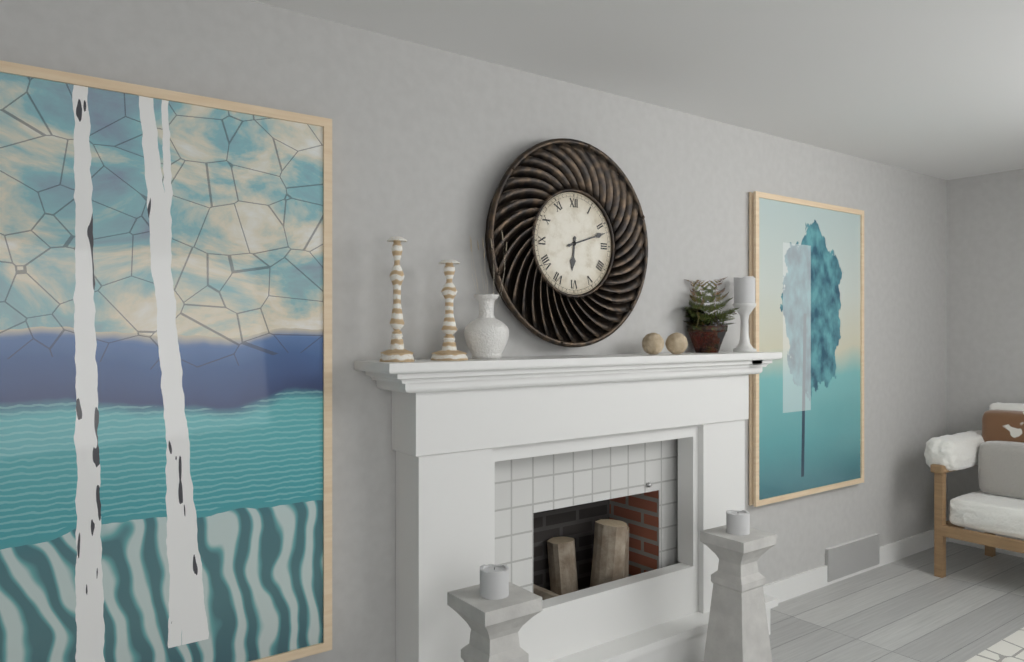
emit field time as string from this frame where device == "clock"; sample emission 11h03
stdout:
6h12
